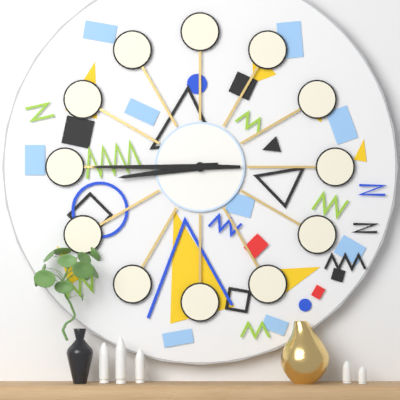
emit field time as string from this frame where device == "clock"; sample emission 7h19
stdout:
8h45
